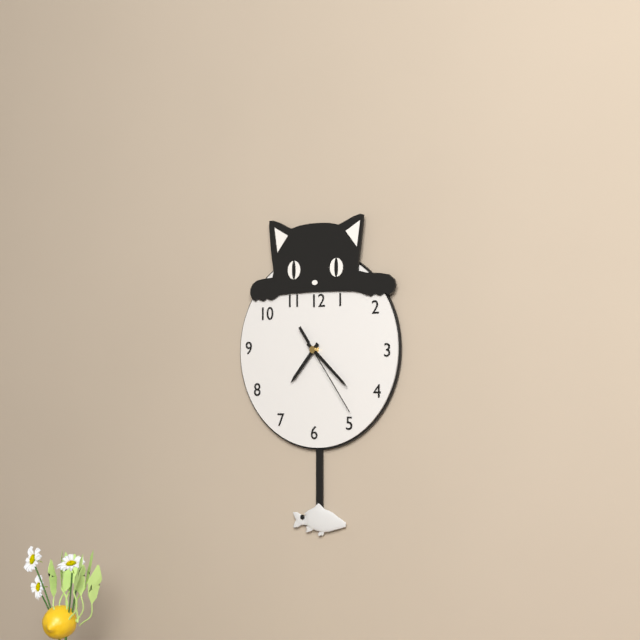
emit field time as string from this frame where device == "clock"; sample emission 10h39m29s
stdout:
7h22m24s
